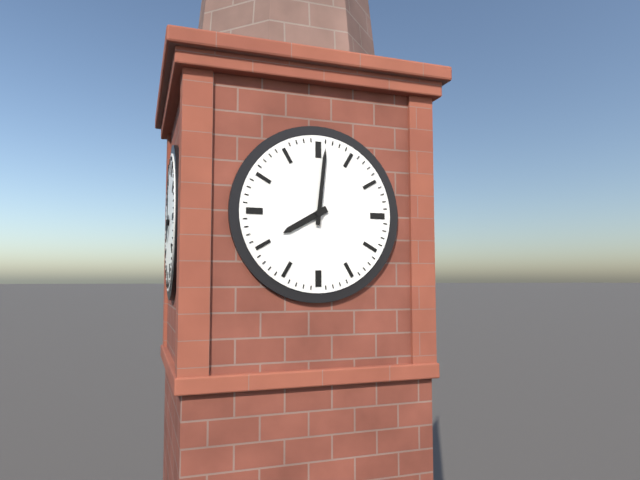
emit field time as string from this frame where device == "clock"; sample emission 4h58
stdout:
8h01
